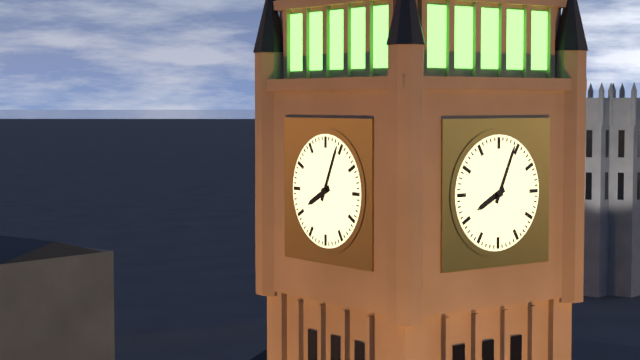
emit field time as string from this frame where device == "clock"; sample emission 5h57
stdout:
8h04
